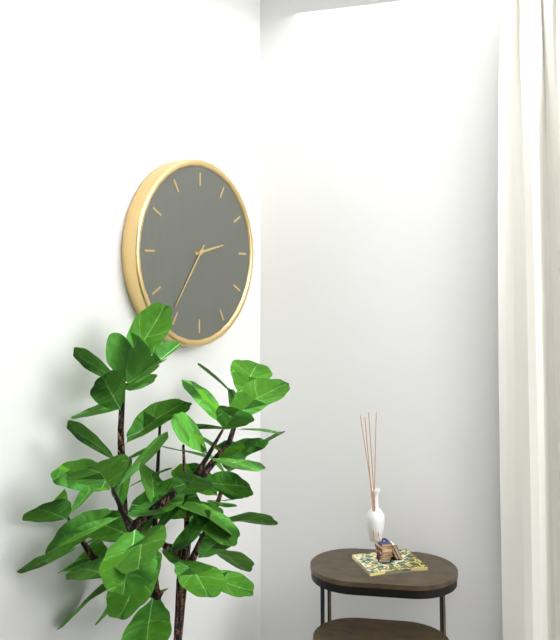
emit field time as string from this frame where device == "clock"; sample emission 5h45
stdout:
2h36
